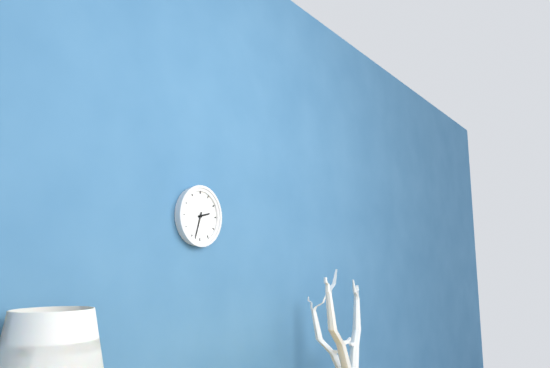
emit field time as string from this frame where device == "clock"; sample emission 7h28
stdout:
2h33
